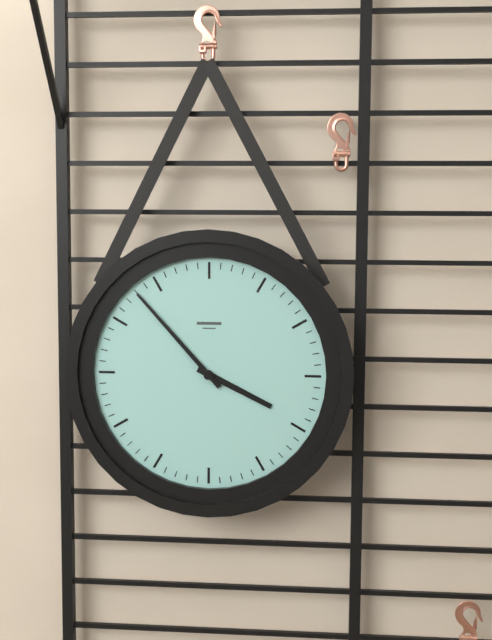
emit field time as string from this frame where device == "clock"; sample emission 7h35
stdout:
3h53
